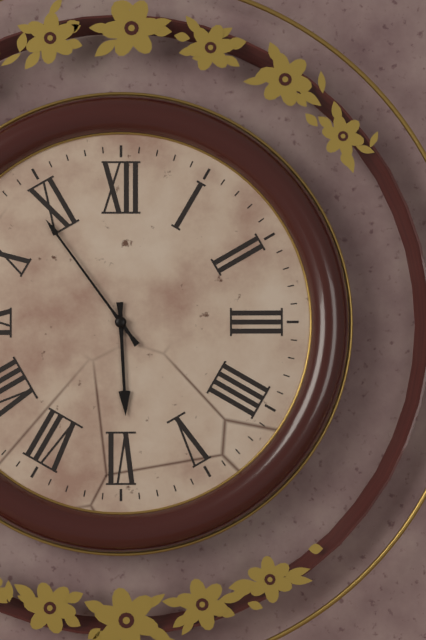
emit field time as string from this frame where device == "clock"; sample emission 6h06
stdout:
5h54
